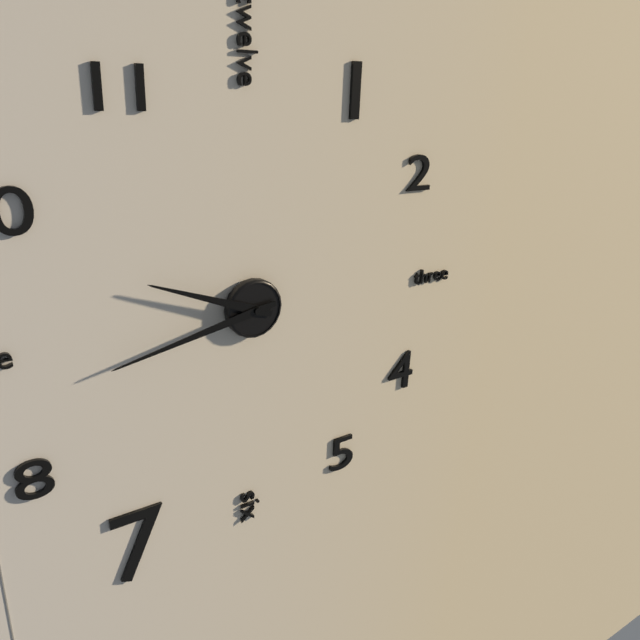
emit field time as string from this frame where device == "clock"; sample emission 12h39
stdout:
9h43
